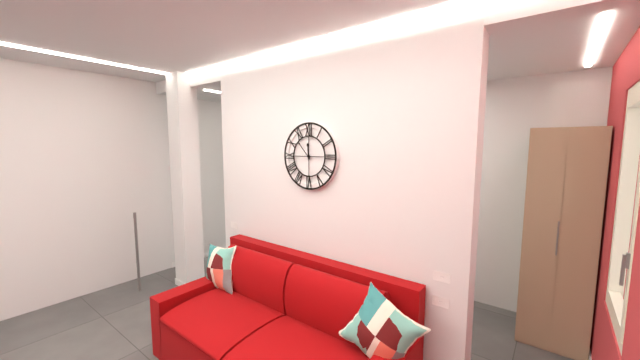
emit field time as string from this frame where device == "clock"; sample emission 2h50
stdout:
11h53
